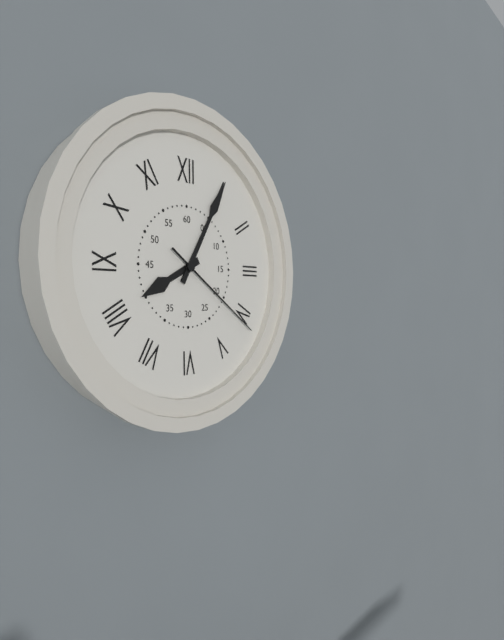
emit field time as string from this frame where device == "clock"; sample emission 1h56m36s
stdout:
8h05m21s
